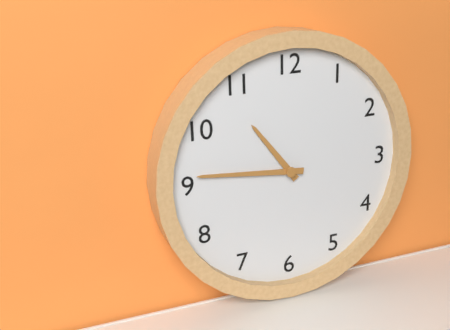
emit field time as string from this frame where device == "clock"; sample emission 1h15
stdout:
10h46
